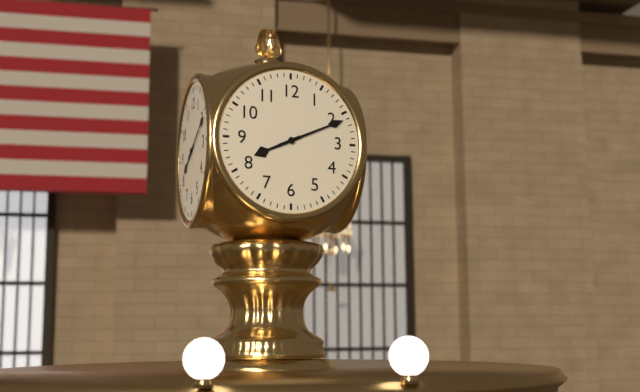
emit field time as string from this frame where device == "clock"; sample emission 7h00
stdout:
8h11
